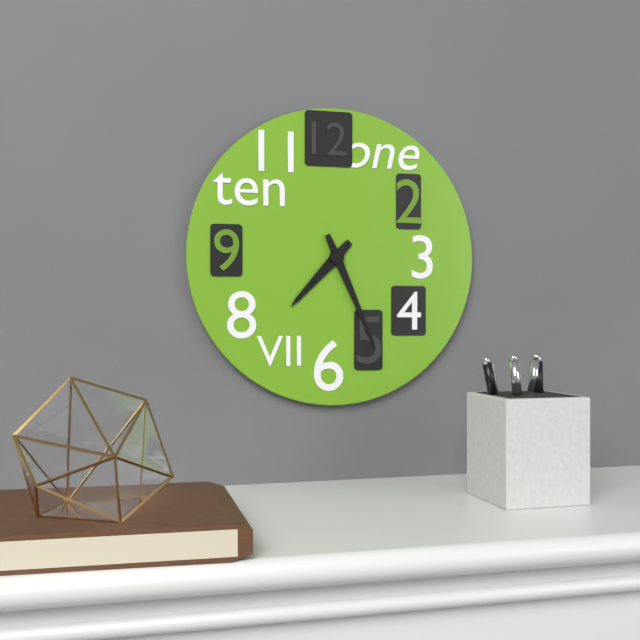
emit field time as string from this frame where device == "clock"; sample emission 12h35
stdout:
7h26
